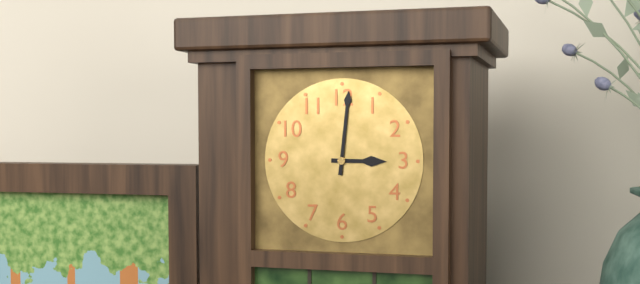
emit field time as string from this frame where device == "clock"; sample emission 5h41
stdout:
3h01
